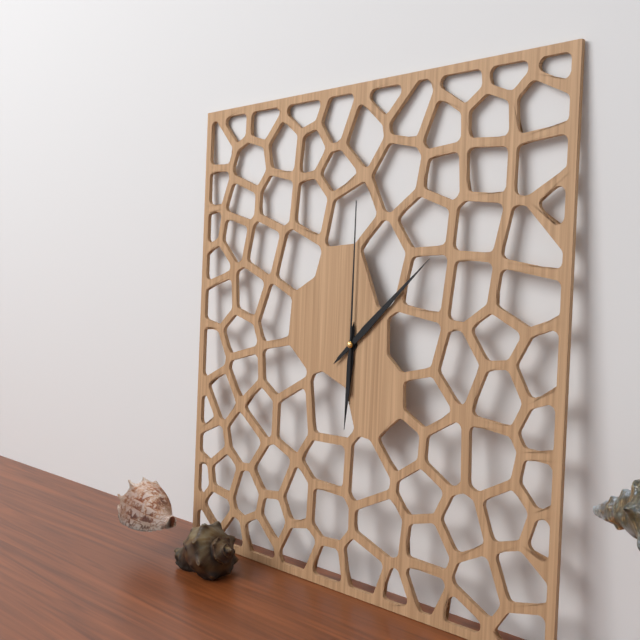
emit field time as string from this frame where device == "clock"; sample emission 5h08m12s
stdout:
6h08m00s
